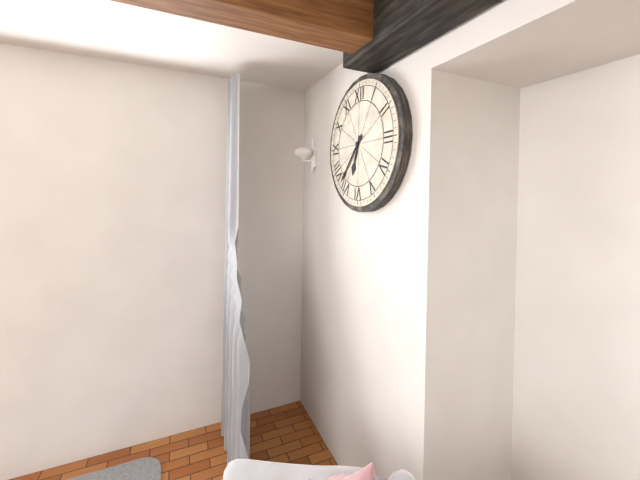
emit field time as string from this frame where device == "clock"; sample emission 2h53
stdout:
6h37
